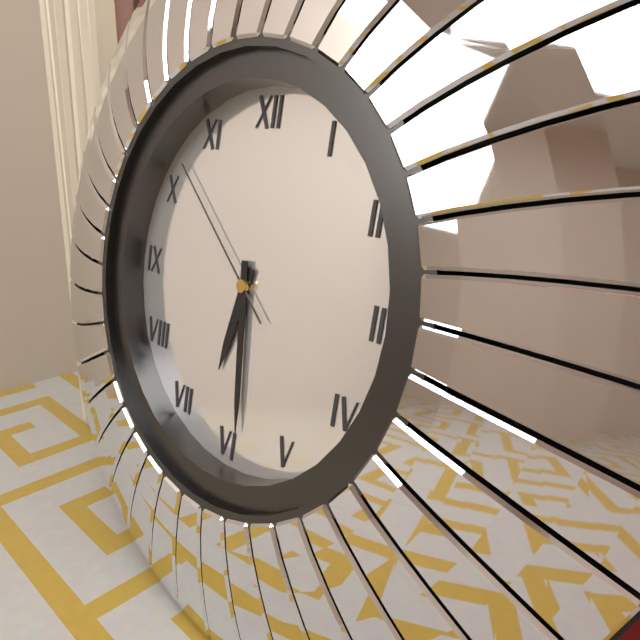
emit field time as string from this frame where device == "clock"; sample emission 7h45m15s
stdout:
6h29m52s
